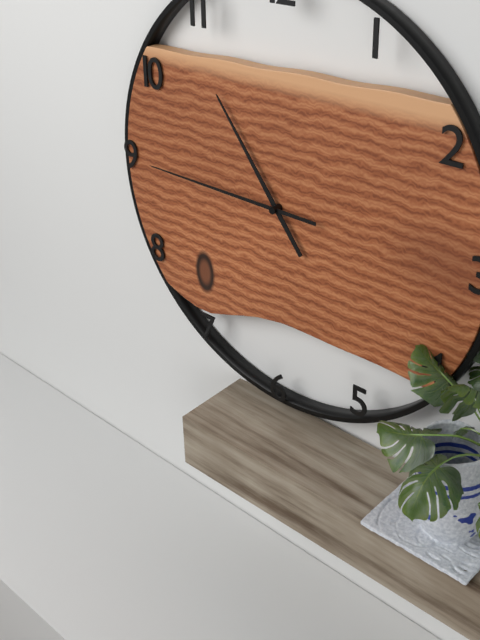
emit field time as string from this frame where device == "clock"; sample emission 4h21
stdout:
10h45
